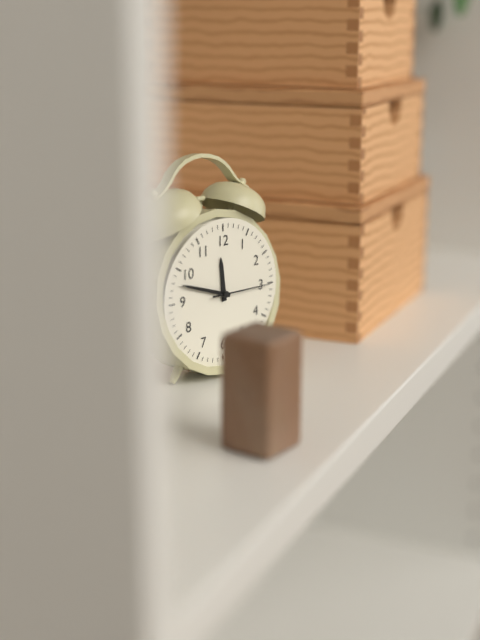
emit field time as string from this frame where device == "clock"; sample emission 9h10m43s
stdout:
11h48m15s
